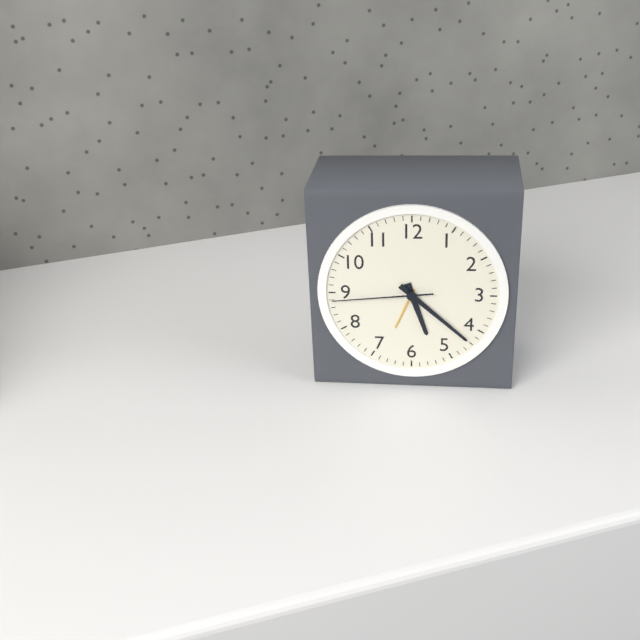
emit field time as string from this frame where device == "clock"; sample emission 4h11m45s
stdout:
5h22m44s
